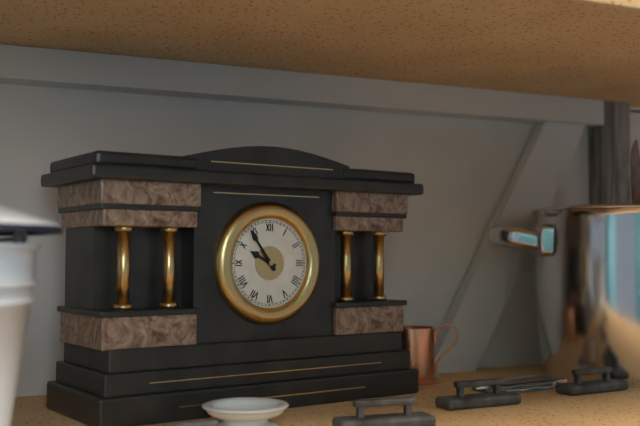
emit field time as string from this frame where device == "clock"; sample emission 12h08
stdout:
9h54
